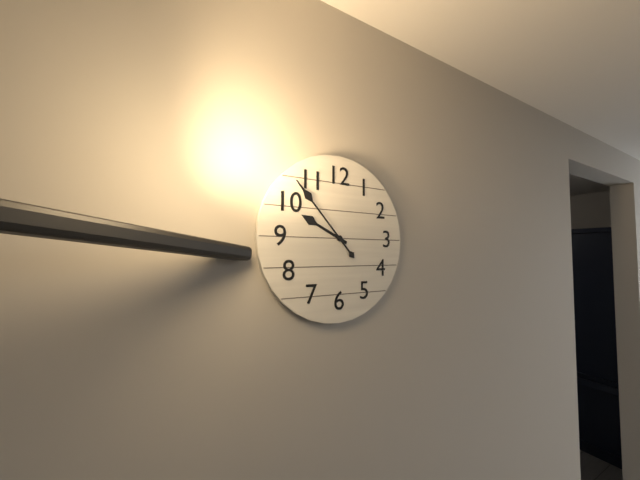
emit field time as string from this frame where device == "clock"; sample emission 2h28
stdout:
9h53
